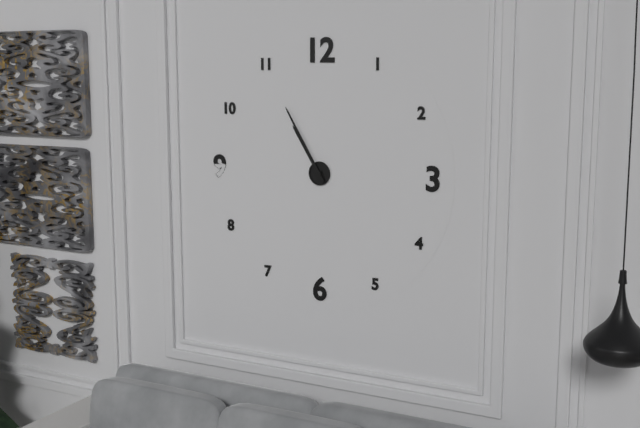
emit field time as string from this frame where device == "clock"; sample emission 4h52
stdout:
10h55
